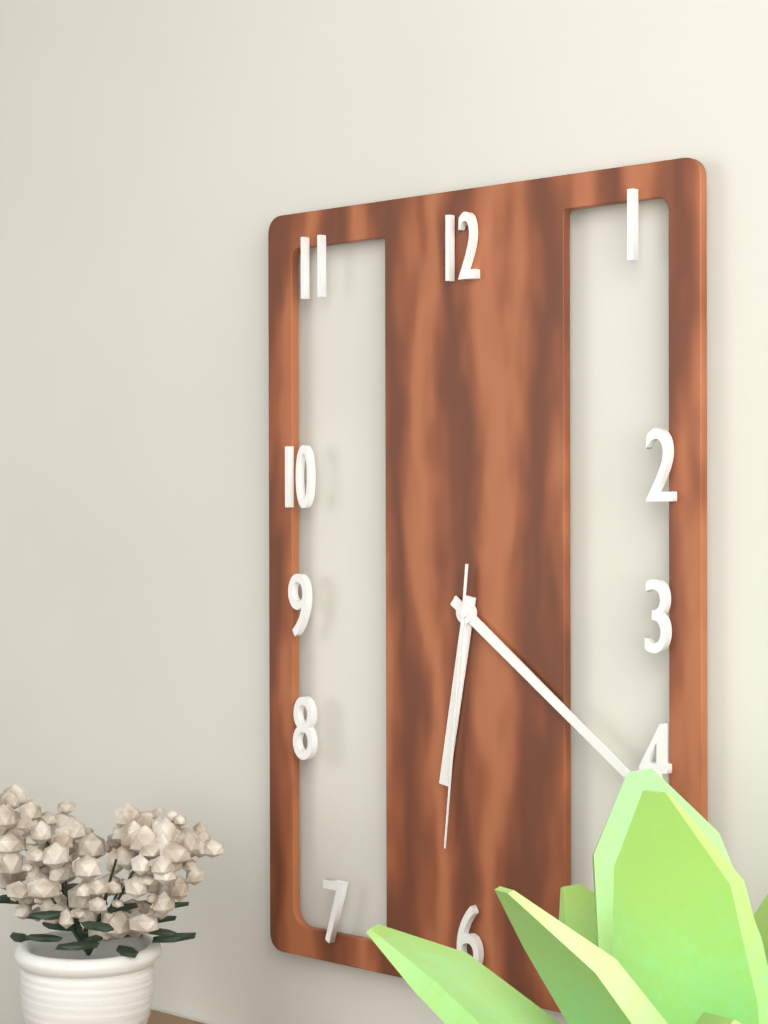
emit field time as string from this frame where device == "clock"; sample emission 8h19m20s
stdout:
6h21m31s
